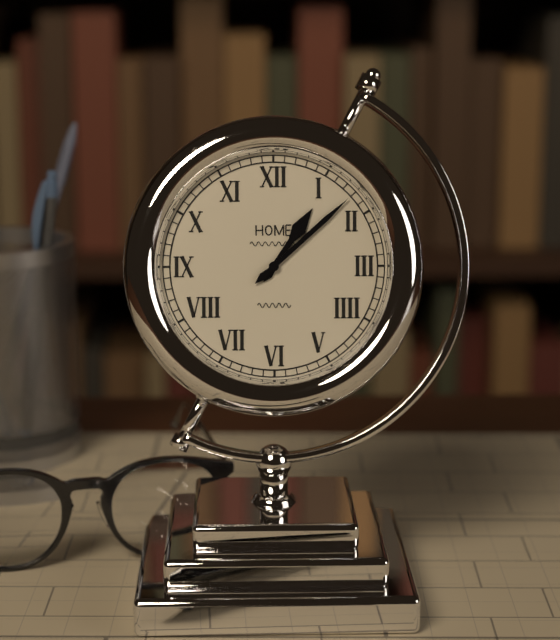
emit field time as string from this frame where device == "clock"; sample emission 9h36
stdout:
1h08
